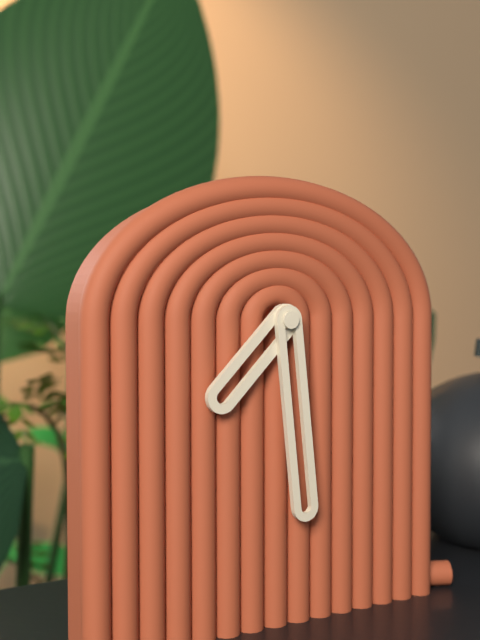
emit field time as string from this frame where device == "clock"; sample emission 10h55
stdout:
7h29
